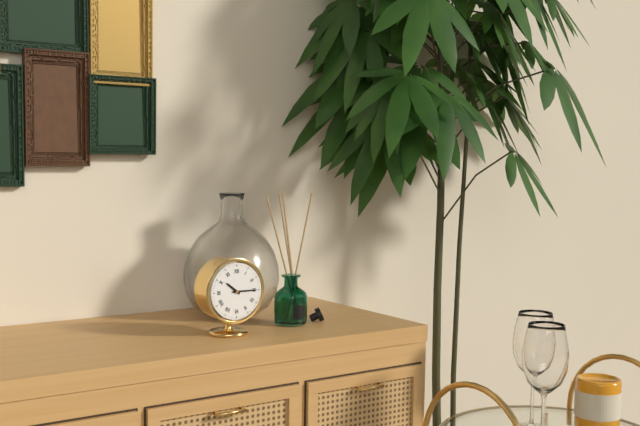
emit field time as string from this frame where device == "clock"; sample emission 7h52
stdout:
10h15
